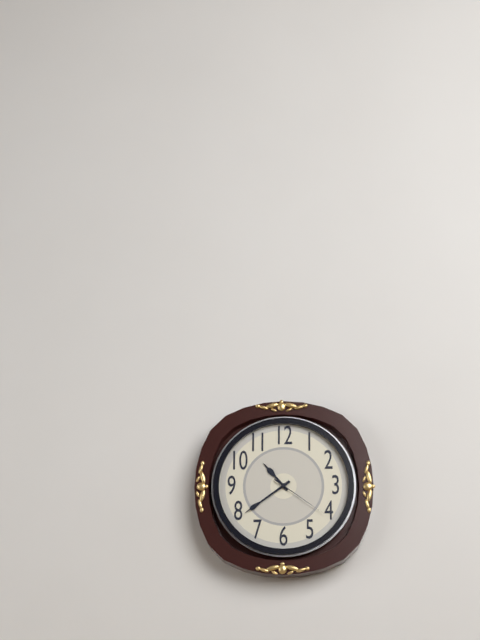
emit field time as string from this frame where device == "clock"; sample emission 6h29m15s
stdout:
10h39m21s
